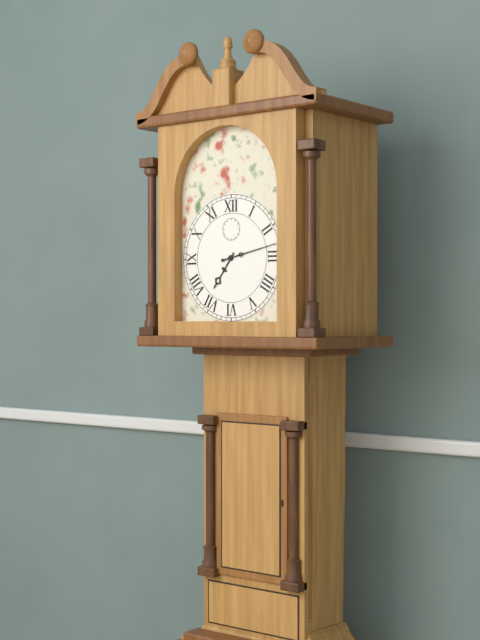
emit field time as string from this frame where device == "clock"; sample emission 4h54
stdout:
7h13
